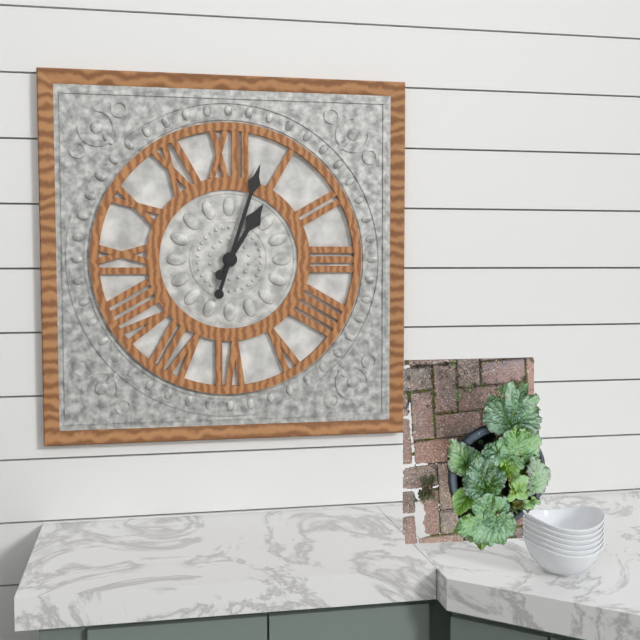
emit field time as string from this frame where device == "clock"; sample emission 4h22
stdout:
1h03
